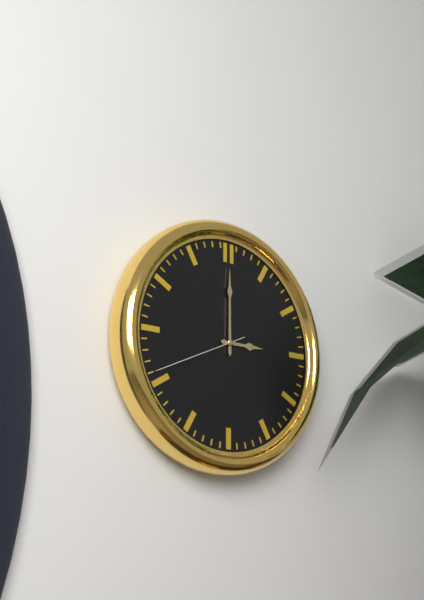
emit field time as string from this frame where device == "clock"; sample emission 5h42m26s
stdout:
3h00m41s
